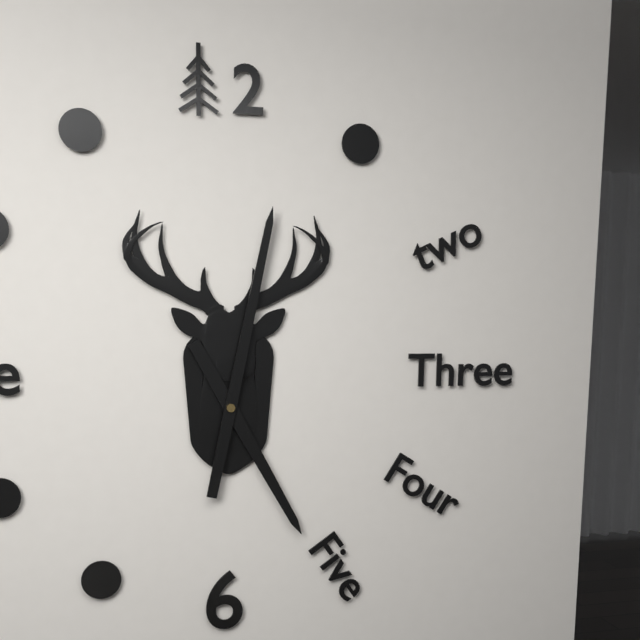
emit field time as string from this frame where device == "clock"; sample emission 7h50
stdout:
5h02
